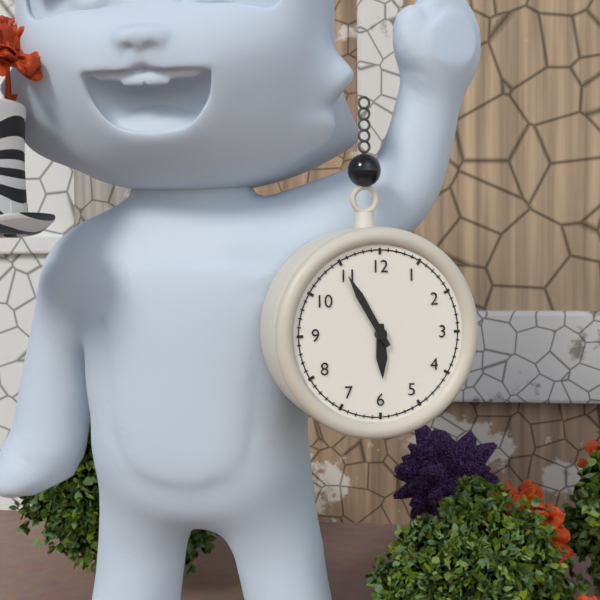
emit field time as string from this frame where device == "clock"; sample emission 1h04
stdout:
5h55
